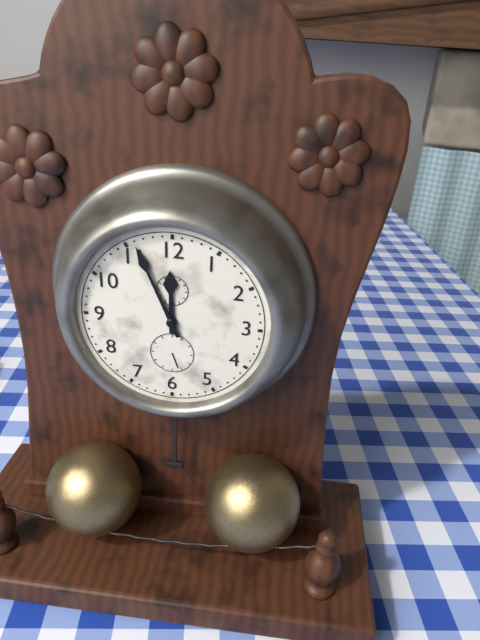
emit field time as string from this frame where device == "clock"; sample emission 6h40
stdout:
11h56
